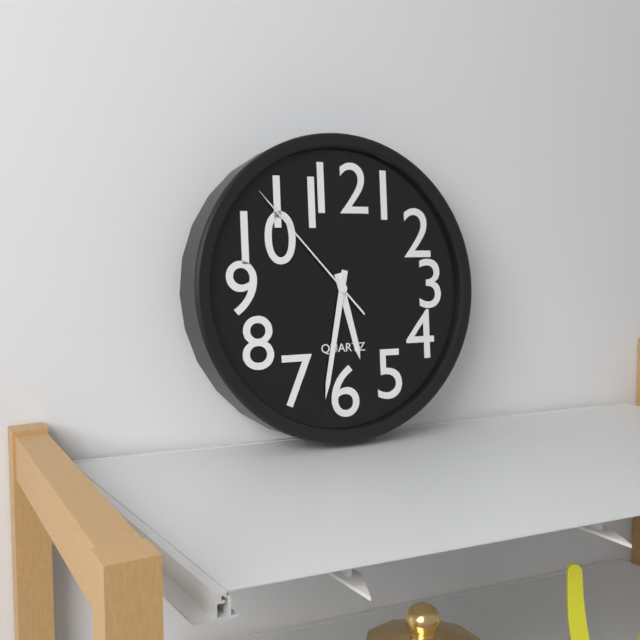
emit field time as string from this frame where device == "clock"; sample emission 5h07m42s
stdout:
5h32m53s
